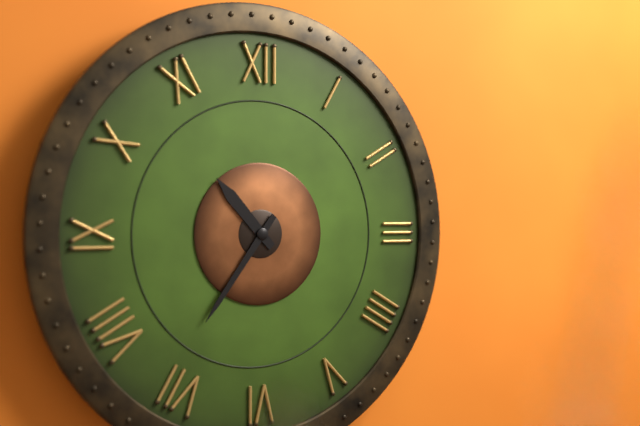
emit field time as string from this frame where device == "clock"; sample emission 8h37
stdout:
10h36
